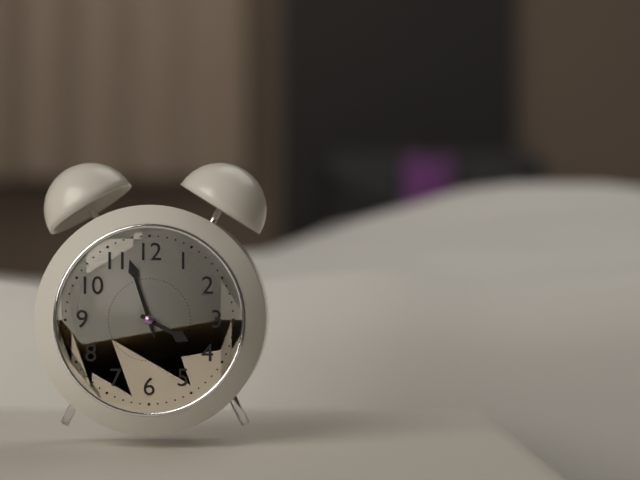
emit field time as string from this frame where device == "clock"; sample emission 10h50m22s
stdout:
3h57m57s
